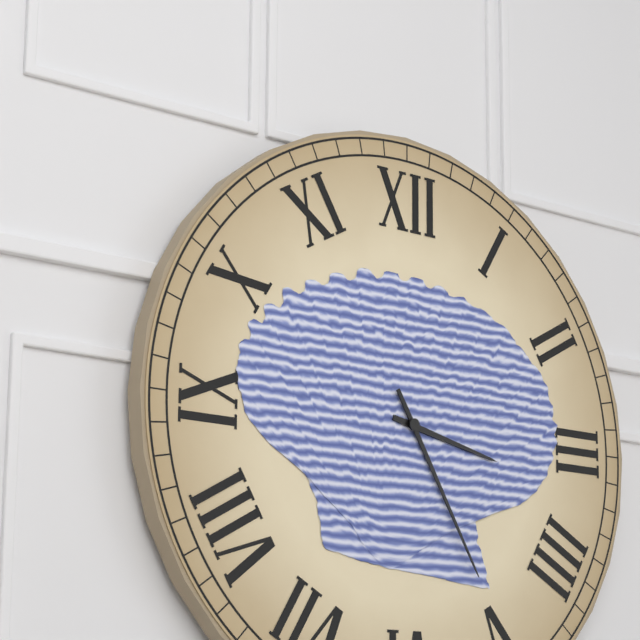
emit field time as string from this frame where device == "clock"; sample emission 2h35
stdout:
3h25
